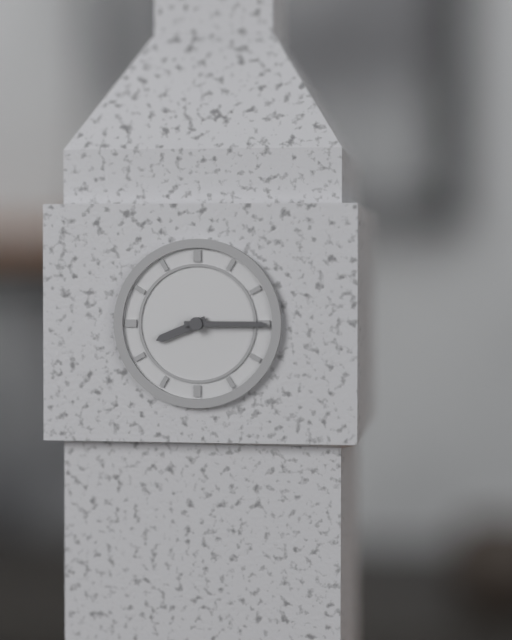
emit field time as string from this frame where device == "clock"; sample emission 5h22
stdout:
8h15
